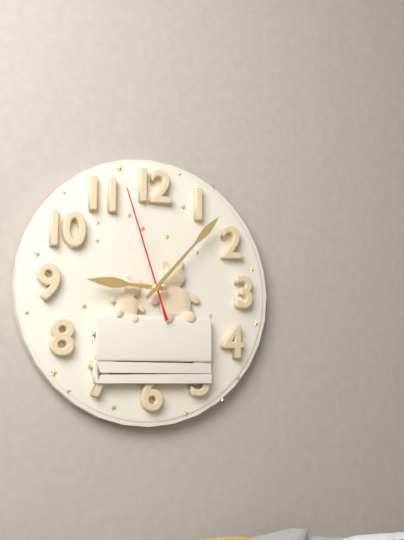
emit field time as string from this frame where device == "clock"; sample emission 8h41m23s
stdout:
9h07m57s
